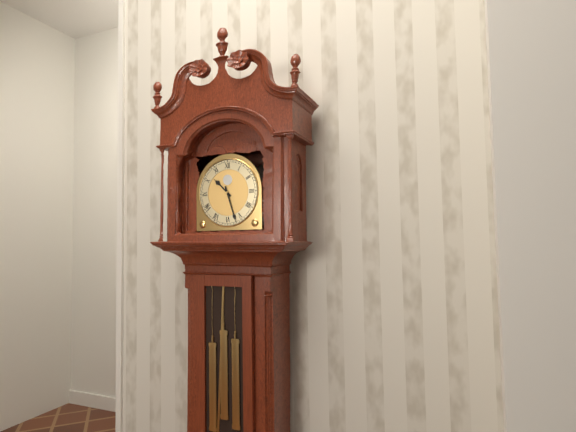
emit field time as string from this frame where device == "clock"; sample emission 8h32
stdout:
10h27
